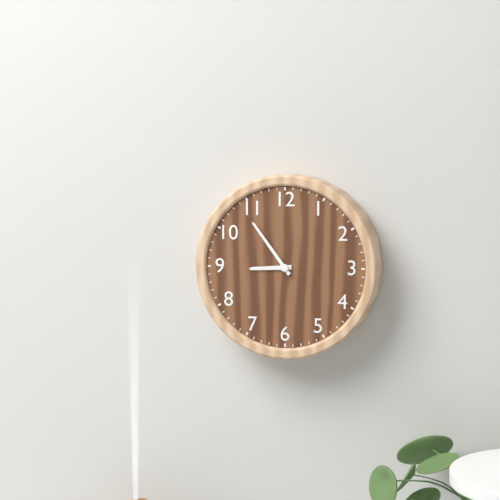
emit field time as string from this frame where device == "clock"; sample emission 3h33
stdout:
8h54
